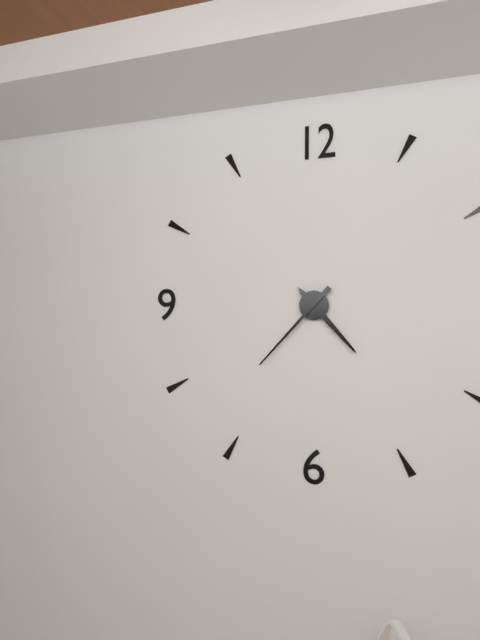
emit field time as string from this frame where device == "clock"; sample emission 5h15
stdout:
4h37
